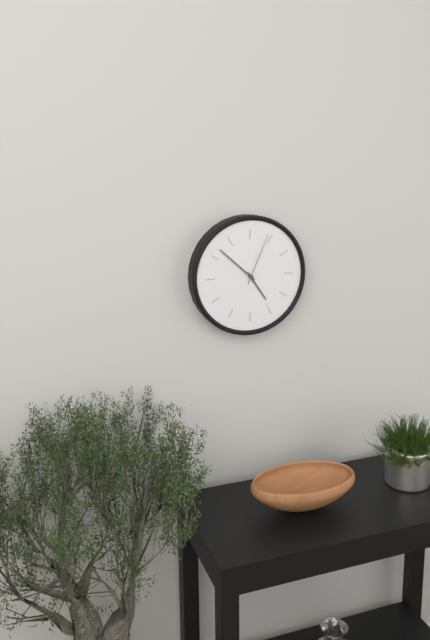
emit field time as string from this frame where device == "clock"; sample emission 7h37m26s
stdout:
4h52m04s
